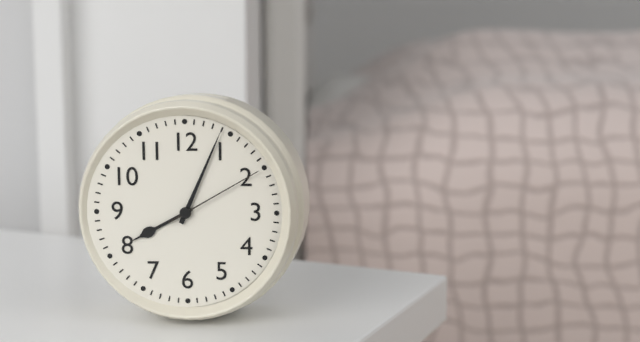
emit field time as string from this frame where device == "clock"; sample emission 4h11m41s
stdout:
8h04m10s
